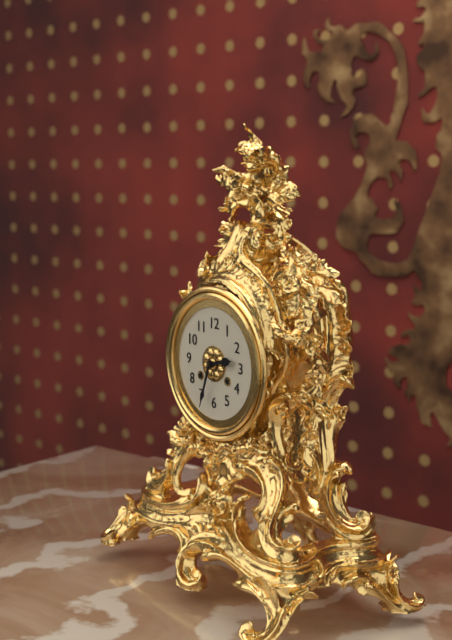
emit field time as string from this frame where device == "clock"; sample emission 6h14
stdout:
2h33
